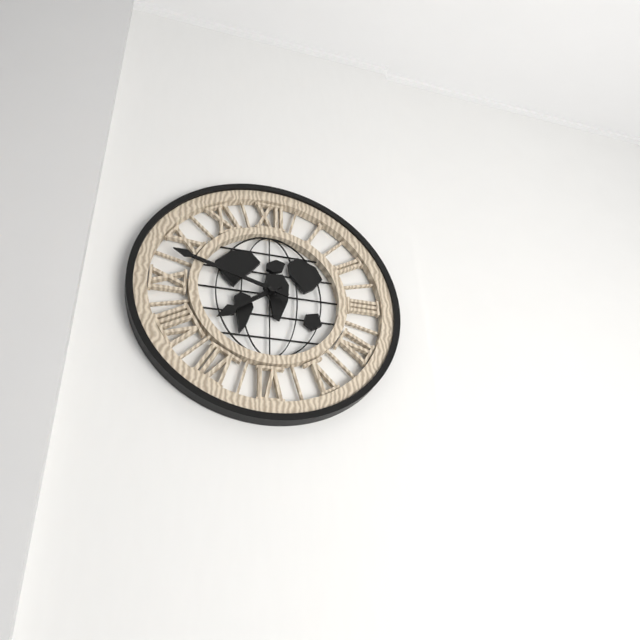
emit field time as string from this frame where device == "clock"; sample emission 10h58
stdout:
7h48
